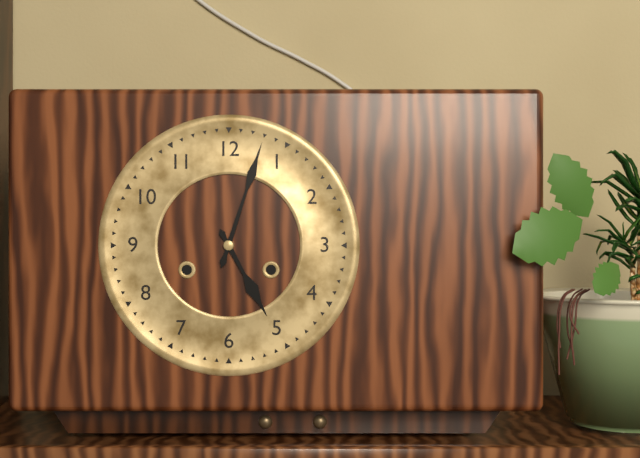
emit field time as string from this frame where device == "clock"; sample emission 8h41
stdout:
5h03
